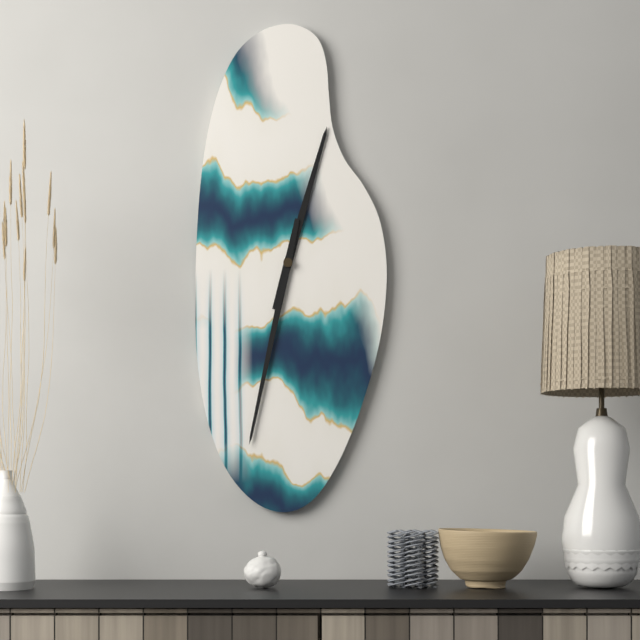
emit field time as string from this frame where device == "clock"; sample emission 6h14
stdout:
12h32
